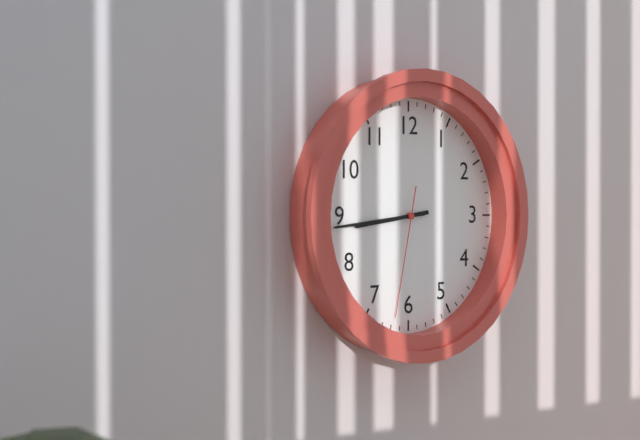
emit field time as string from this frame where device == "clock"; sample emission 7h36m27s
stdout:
8h44m32s
